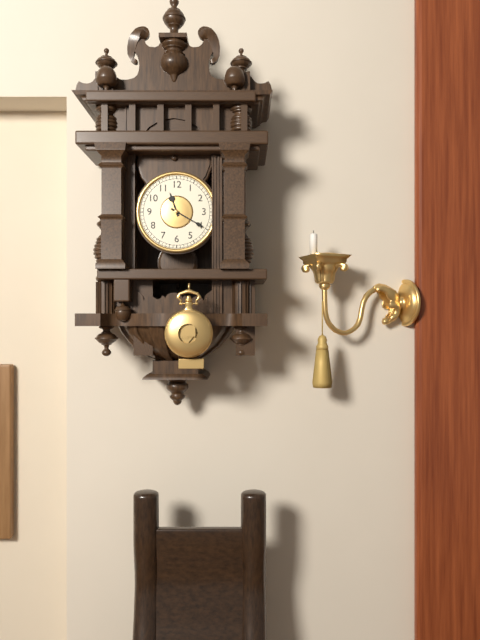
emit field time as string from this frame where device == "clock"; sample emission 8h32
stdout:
11h20
